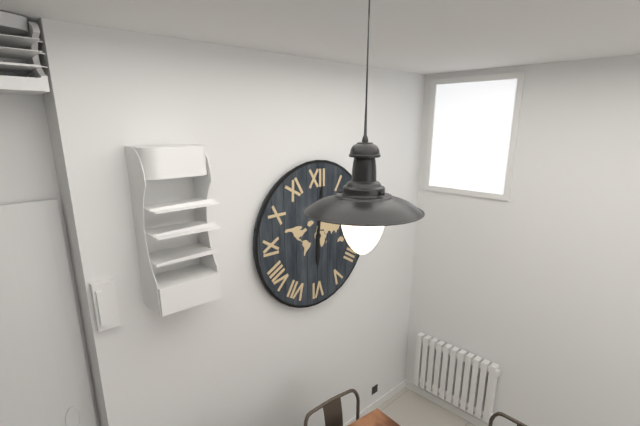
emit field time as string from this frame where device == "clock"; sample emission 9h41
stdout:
6h01
